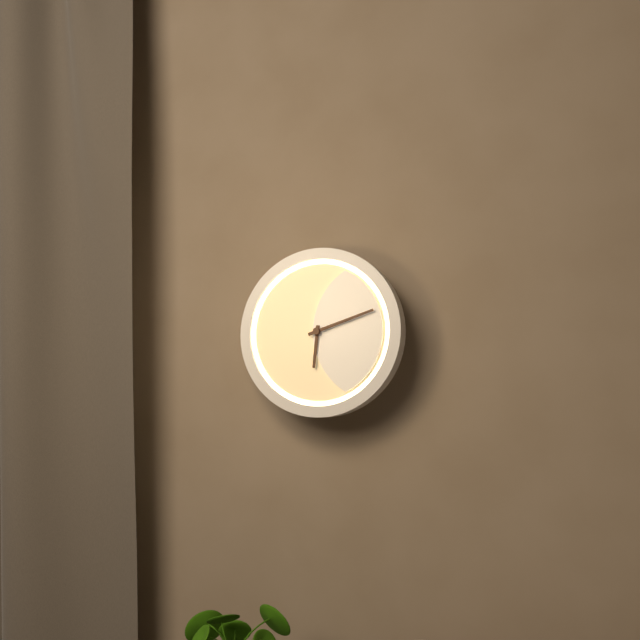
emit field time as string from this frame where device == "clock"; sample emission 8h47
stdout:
6h12
